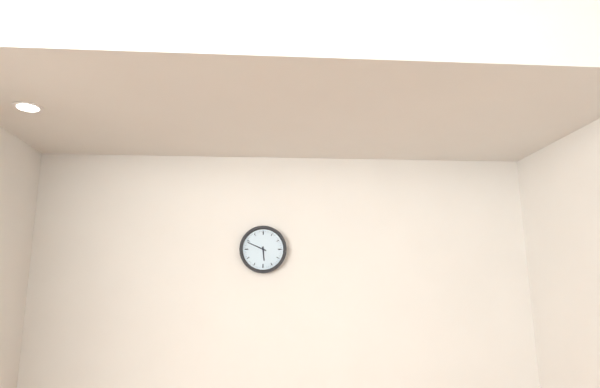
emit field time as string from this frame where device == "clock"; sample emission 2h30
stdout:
5h49
